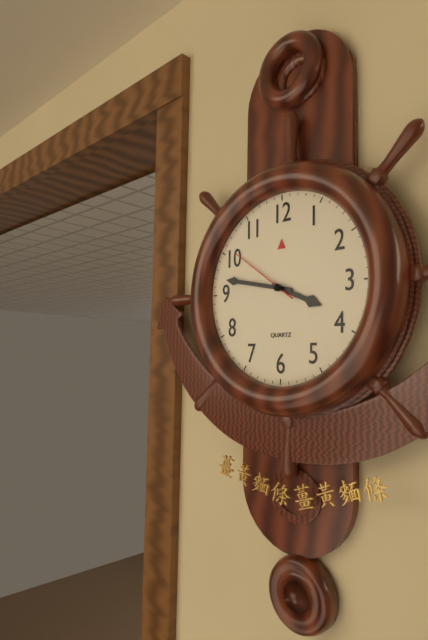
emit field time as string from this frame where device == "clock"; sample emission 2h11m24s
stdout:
3h47m51s
